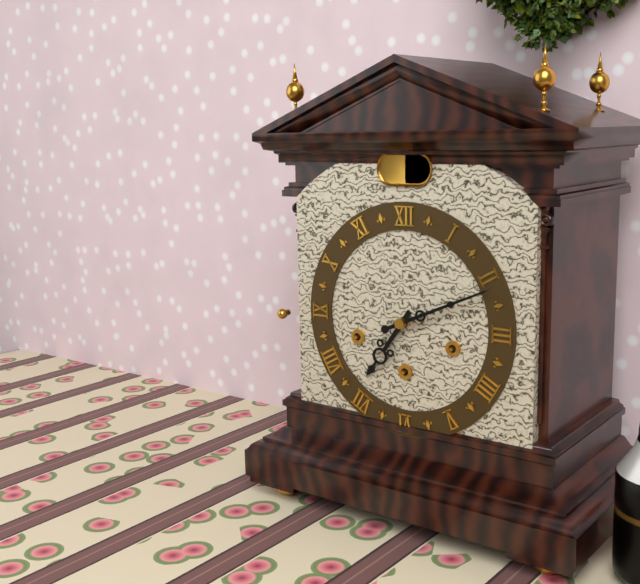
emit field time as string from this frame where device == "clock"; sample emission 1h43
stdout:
7h11
